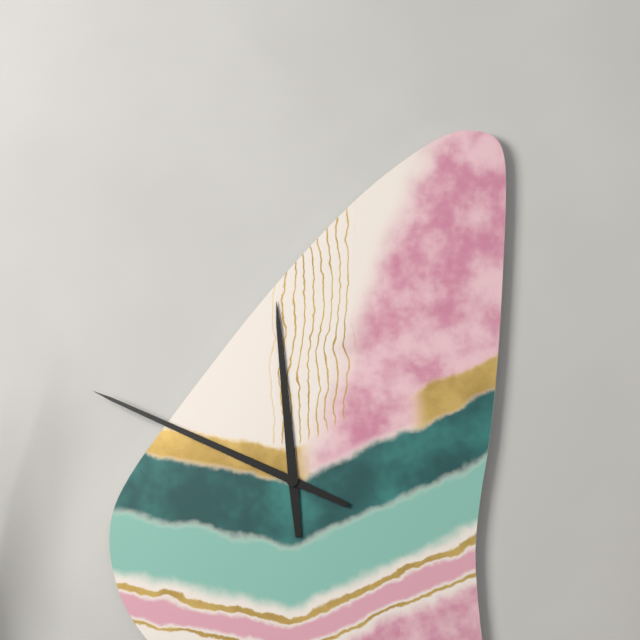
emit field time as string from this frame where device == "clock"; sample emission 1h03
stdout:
11h49
